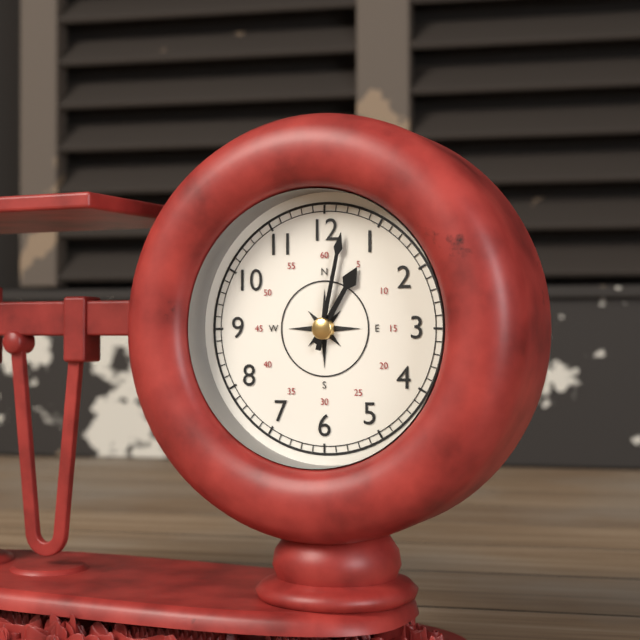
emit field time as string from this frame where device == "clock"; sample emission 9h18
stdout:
1h02
